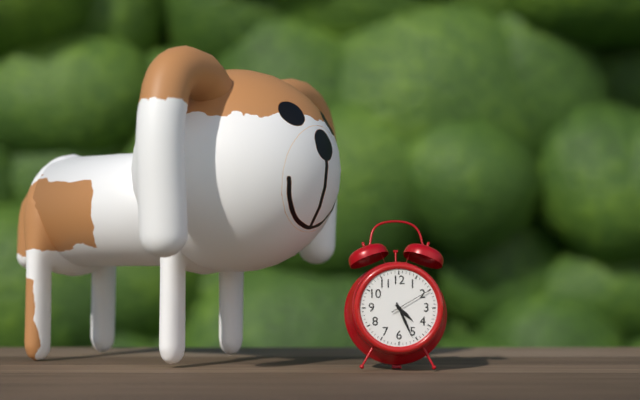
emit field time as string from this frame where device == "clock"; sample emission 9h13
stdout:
4h26
